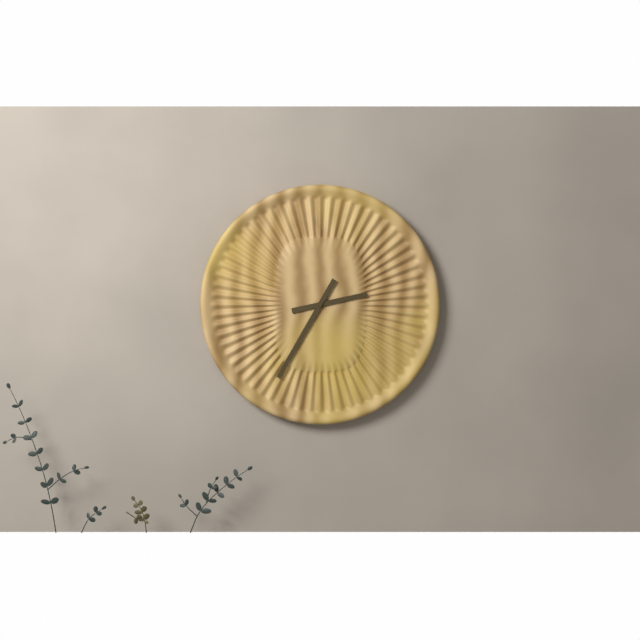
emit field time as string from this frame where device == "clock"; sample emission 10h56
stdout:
2h35
